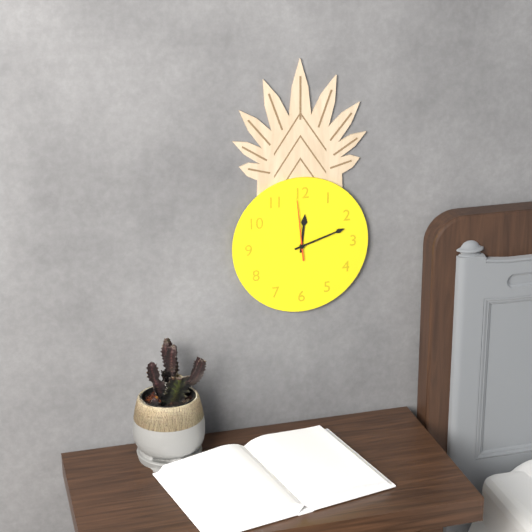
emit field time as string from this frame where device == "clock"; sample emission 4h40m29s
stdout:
12h12m59s
